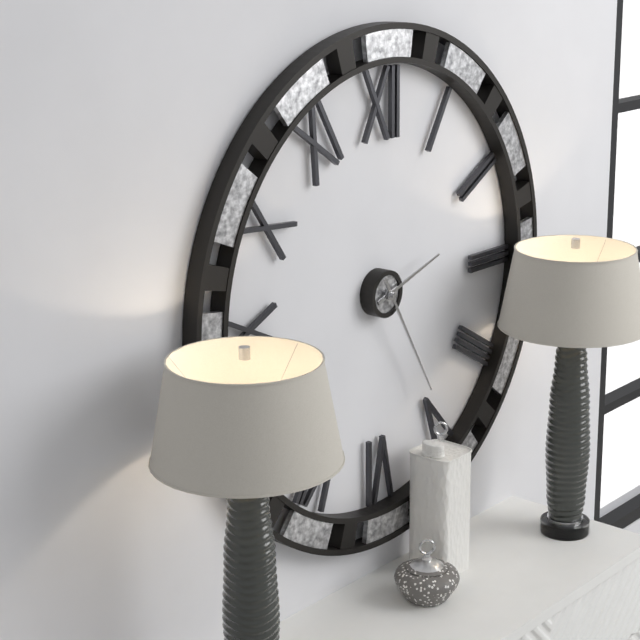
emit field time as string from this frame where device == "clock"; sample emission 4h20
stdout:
2h25
